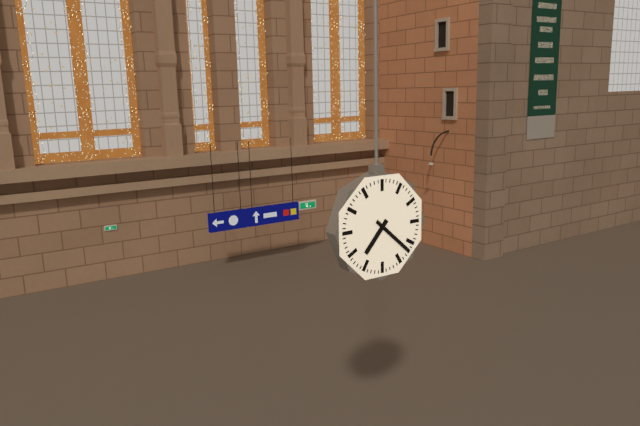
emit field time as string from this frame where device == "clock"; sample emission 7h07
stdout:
7h22
